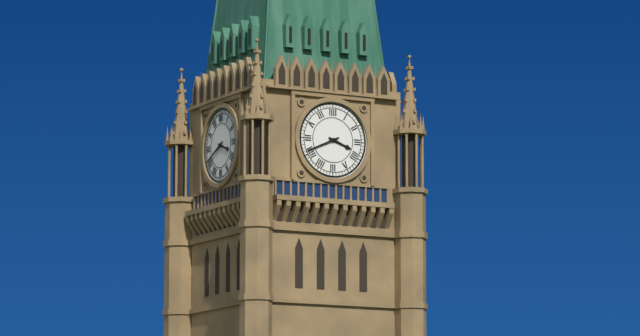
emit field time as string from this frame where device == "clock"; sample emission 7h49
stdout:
3h41
